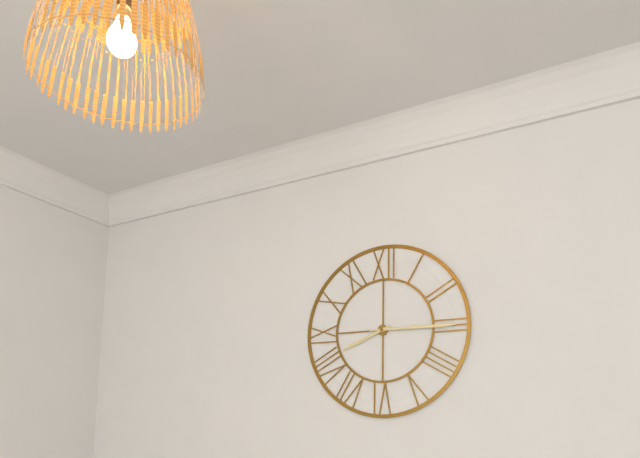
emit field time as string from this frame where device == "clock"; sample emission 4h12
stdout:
8h15
